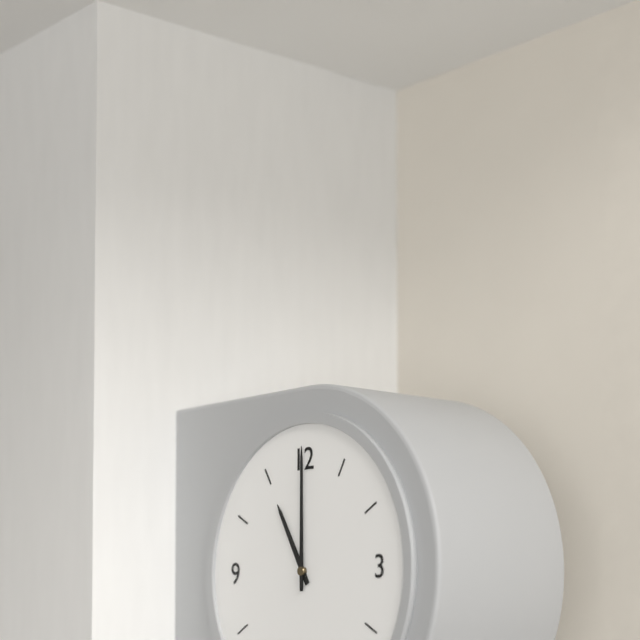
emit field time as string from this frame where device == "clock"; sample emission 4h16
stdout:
11h00
